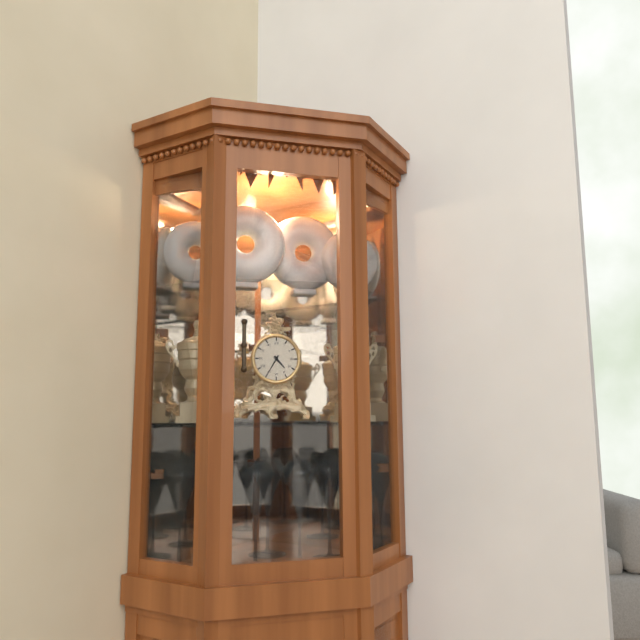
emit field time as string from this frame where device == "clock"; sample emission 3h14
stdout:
4h35
